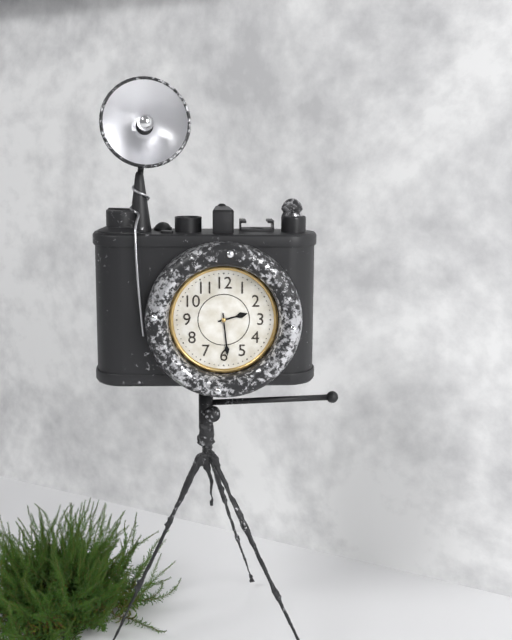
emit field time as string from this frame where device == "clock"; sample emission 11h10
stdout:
2h29
